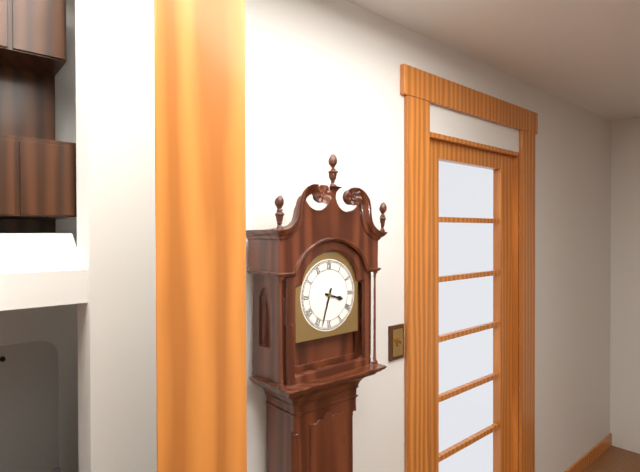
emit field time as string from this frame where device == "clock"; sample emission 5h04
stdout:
3h33
